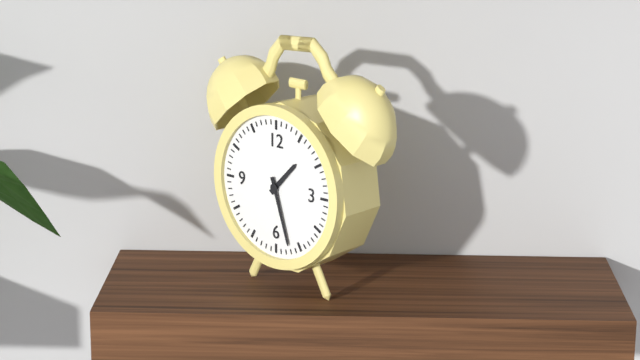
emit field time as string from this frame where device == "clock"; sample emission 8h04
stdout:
1h27
